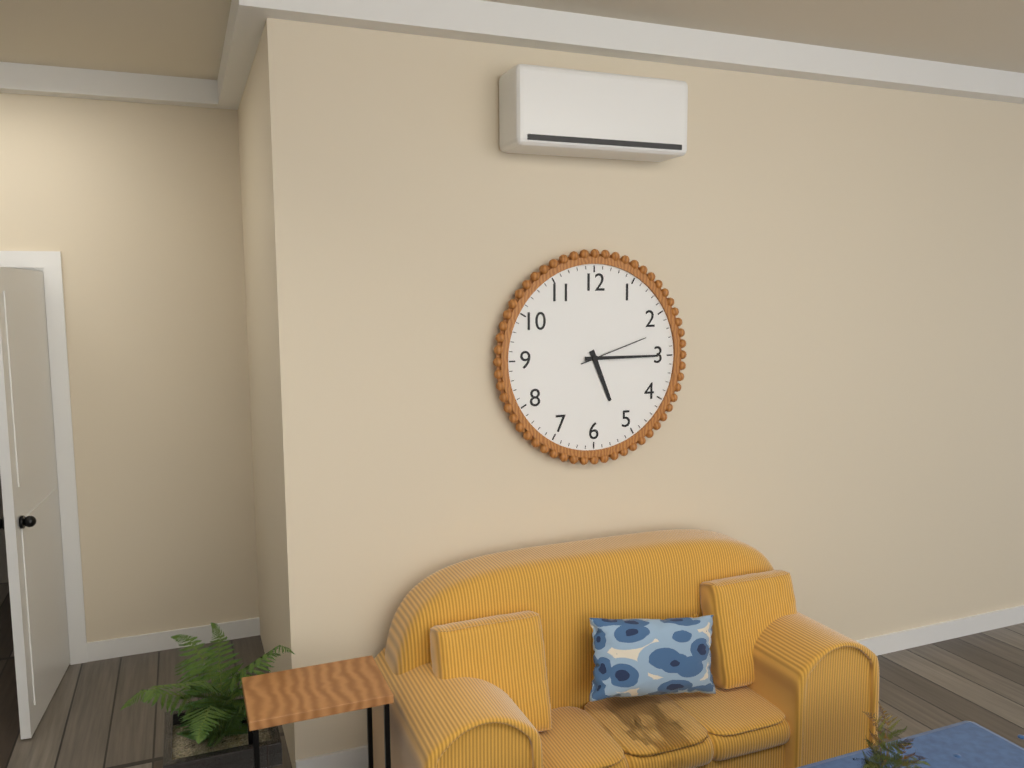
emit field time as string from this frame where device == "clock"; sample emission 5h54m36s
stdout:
5h15m12s
